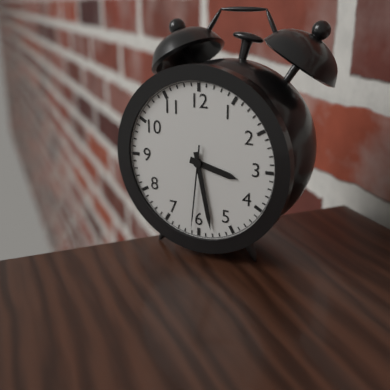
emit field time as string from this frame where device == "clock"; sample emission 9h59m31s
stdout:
3h28m31s
